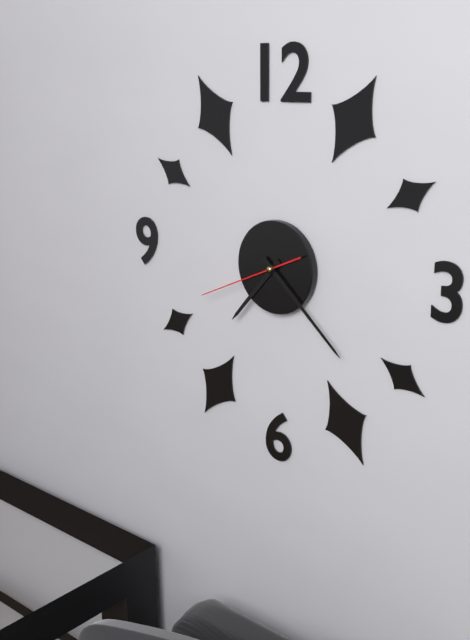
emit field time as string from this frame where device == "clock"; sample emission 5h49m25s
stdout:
7h22m41s
